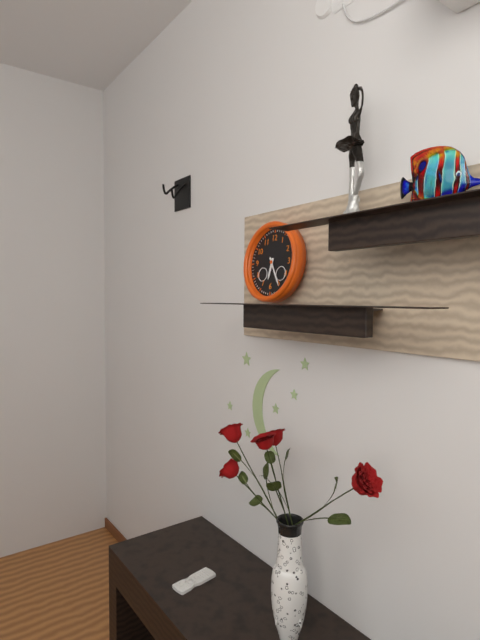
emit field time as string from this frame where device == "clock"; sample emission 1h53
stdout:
6h25
